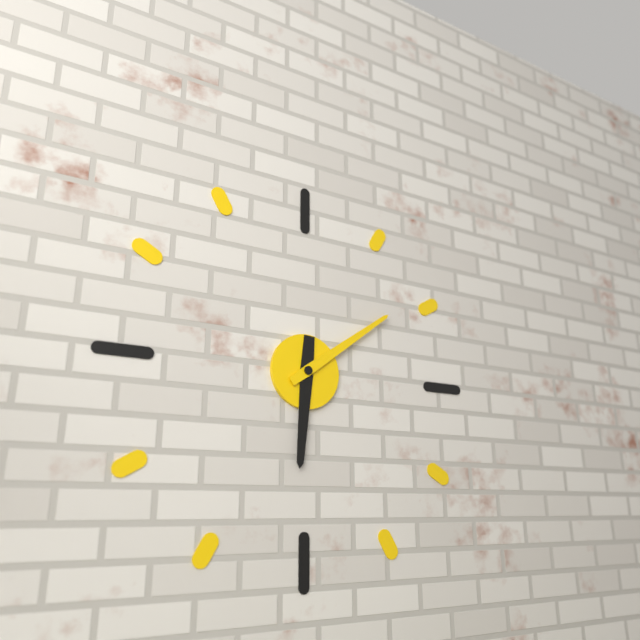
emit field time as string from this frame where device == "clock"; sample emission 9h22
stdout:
6h09
